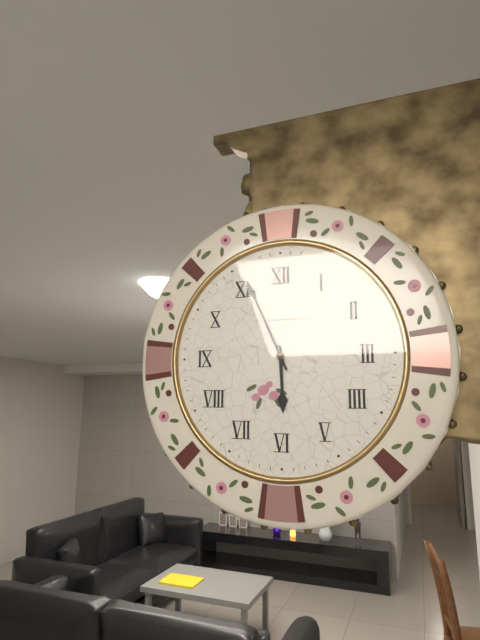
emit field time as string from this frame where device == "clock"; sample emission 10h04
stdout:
5h56
